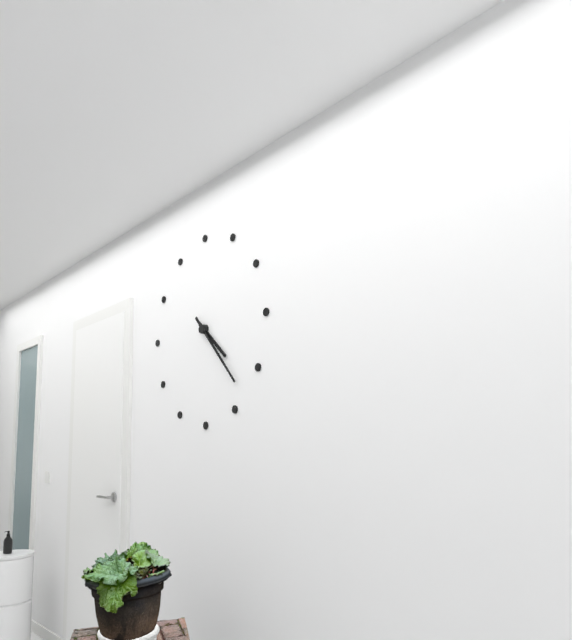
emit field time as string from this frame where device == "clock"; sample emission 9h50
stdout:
4h23
